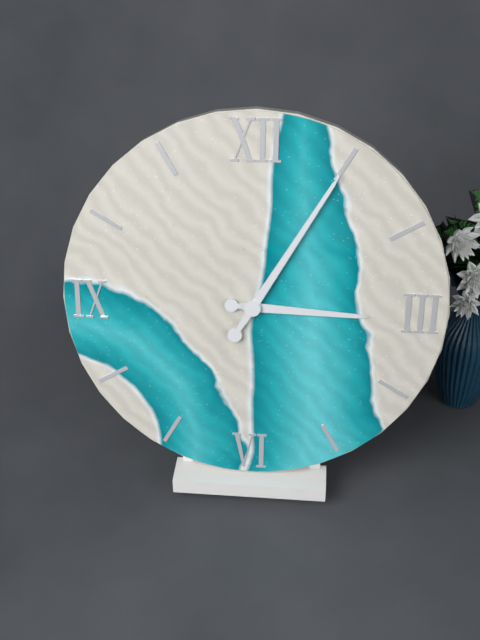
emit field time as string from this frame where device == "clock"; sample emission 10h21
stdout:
3h05
